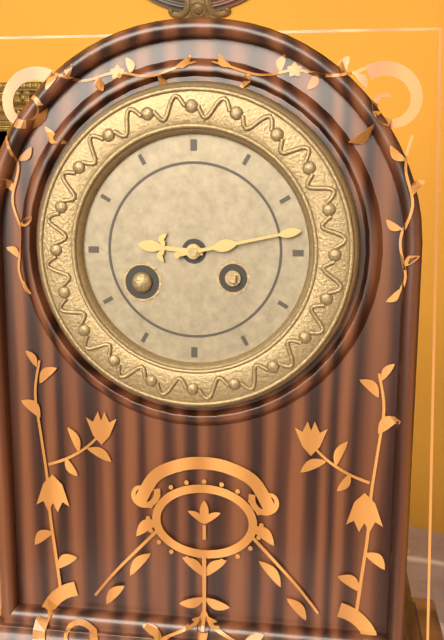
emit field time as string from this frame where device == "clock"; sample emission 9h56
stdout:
9h13
